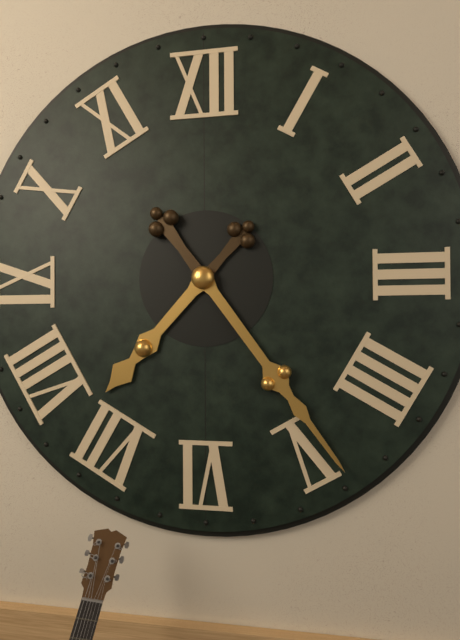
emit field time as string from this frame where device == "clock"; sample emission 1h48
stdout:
7h24
